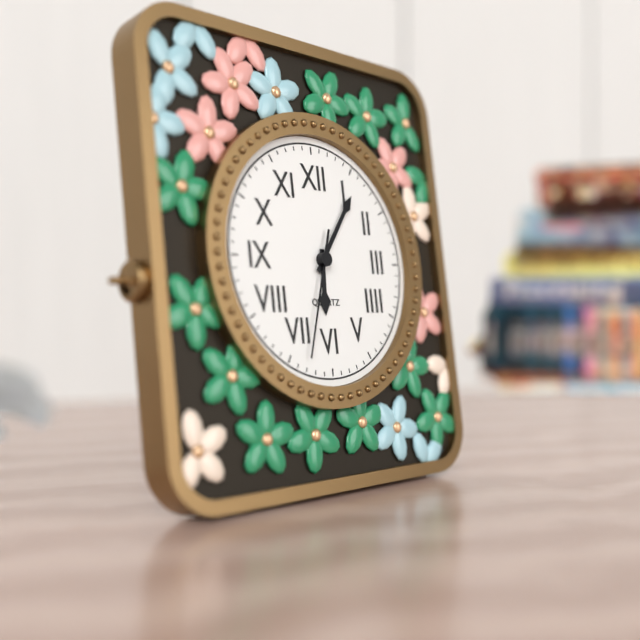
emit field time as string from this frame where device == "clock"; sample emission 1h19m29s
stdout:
6h06m33s
